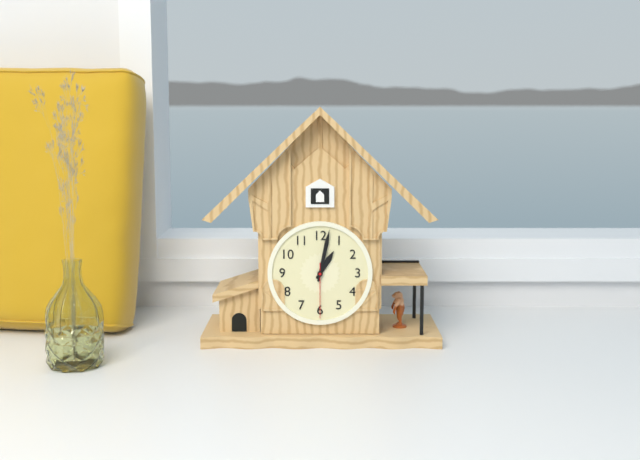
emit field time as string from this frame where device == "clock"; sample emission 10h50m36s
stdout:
1h02m30s
